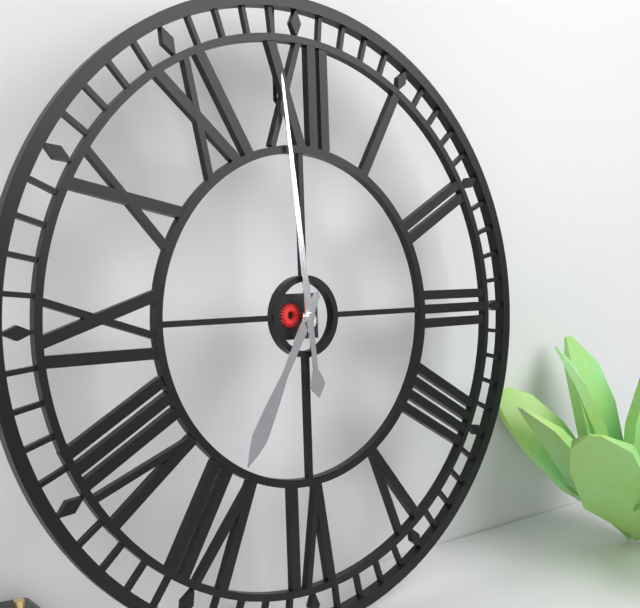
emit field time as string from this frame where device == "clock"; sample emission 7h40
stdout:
6h59
